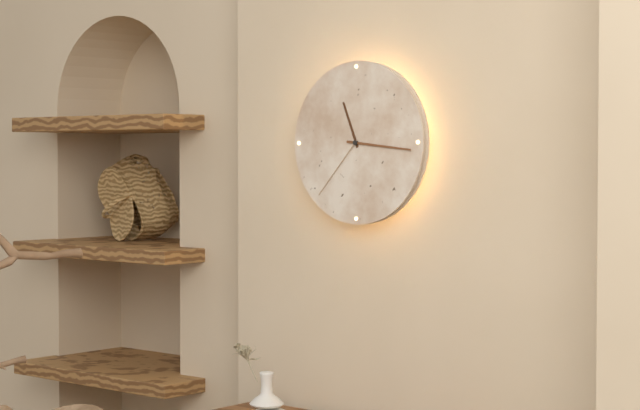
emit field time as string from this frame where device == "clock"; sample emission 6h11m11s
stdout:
11h16m37s
